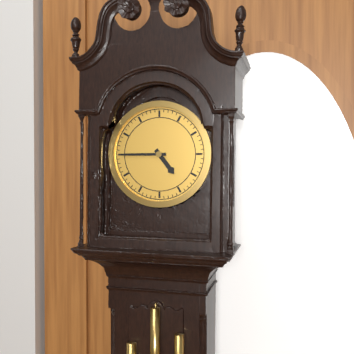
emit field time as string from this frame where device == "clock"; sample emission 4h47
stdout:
4h45
